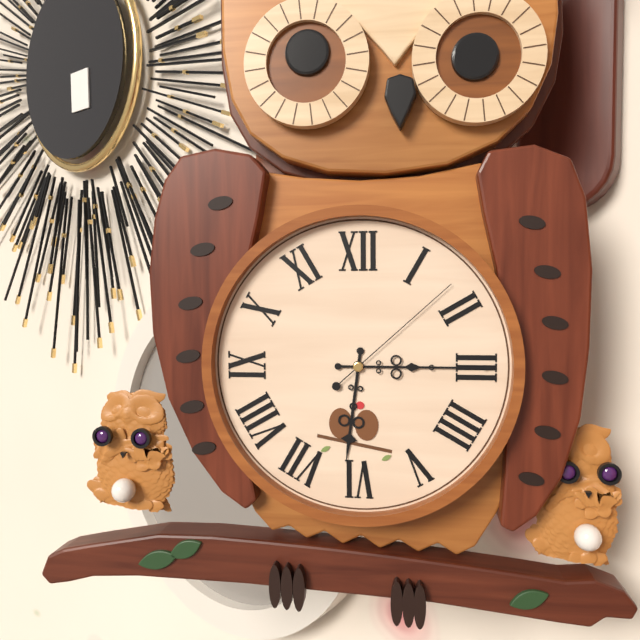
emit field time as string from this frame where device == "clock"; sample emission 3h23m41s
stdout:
6h15m08s
